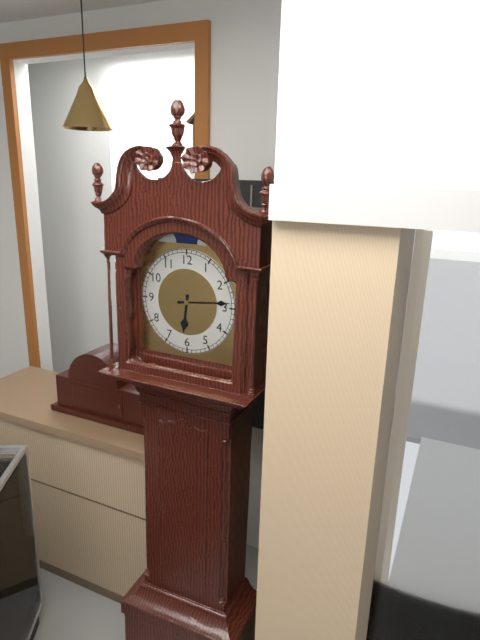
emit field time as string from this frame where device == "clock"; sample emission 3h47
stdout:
6h14
